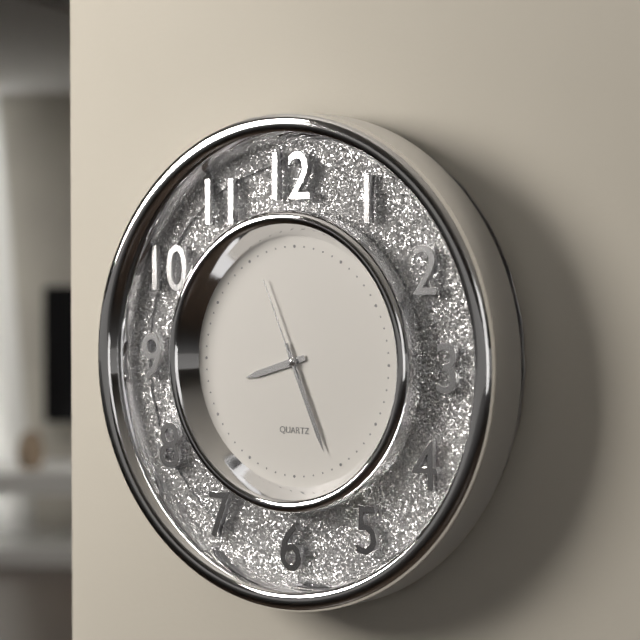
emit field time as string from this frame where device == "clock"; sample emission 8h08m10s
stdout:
8h26m56s
